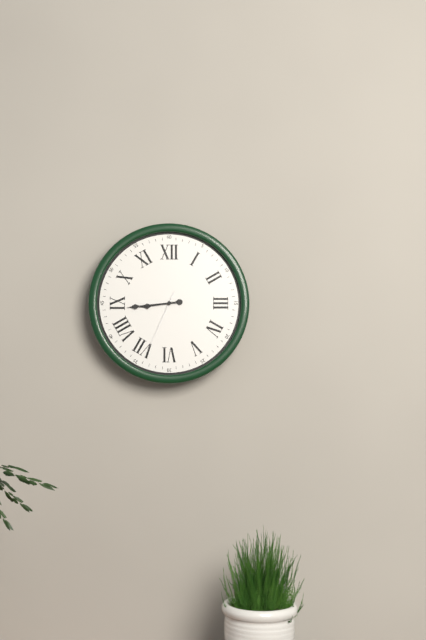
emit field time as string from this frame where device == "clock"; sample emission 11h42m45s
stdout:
8h44m34s
